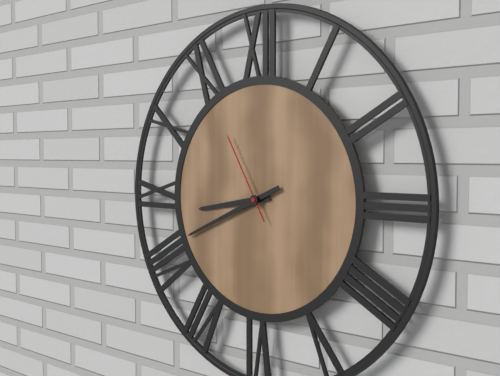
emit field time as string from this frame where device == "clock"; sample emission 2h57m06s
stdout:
8h41m55s
